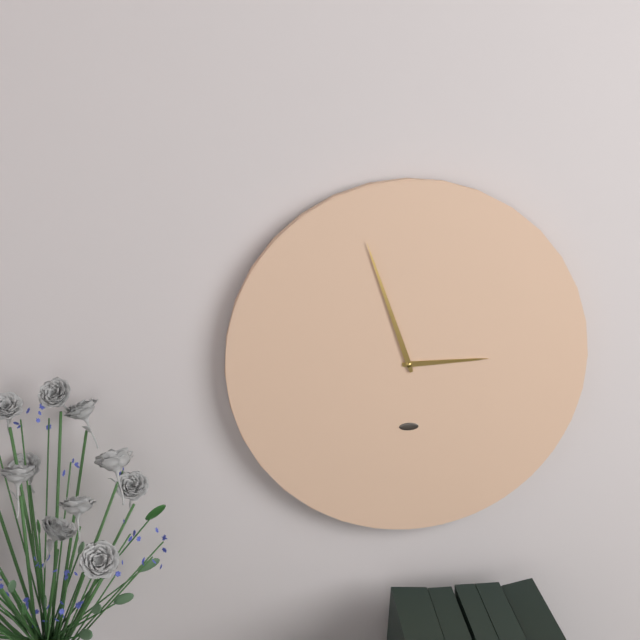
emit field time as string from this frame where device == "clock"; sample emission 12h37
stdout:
2h57
